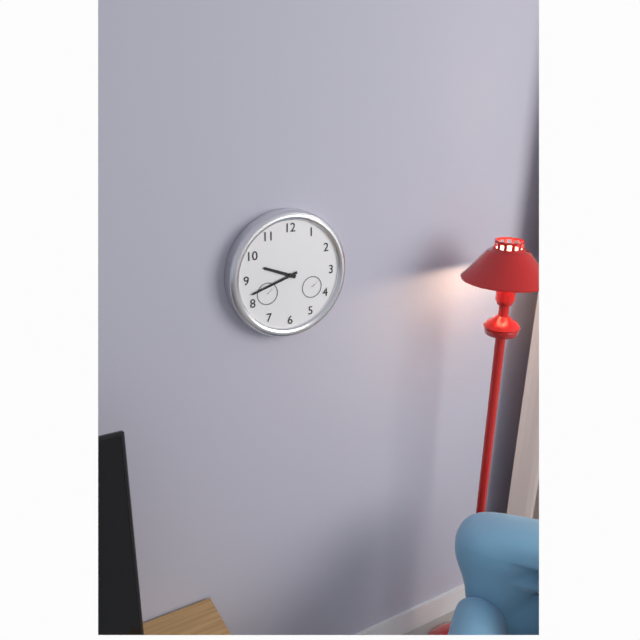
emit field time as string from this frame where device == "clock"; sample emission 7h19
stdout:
9h42
